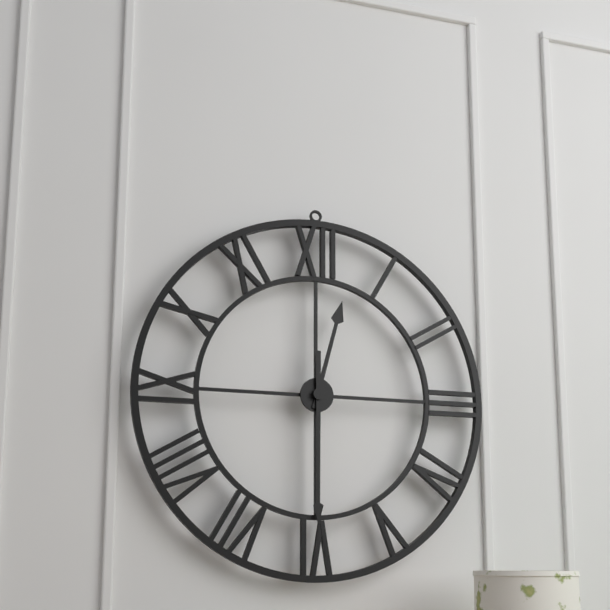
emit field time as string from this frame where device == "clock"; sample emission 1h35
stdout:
12h30
